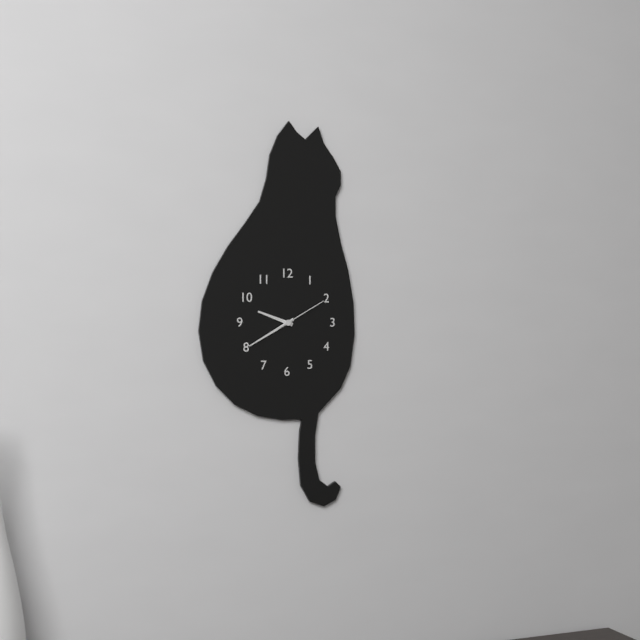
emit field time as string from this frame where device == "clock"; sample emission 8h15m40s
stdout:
9h40m10s
